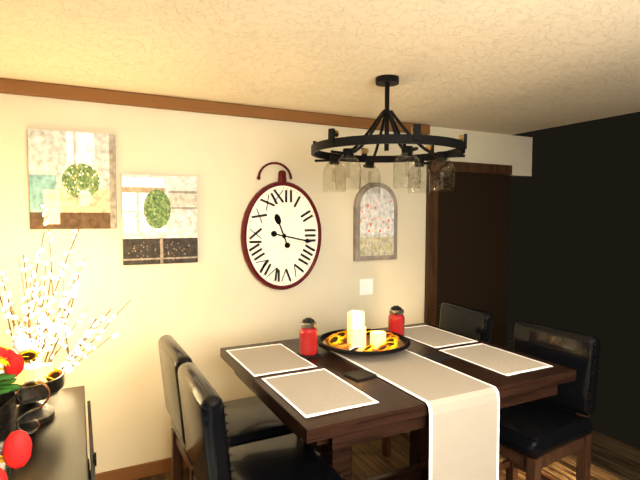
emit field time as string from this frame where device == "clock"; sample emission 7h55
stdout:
11h17
